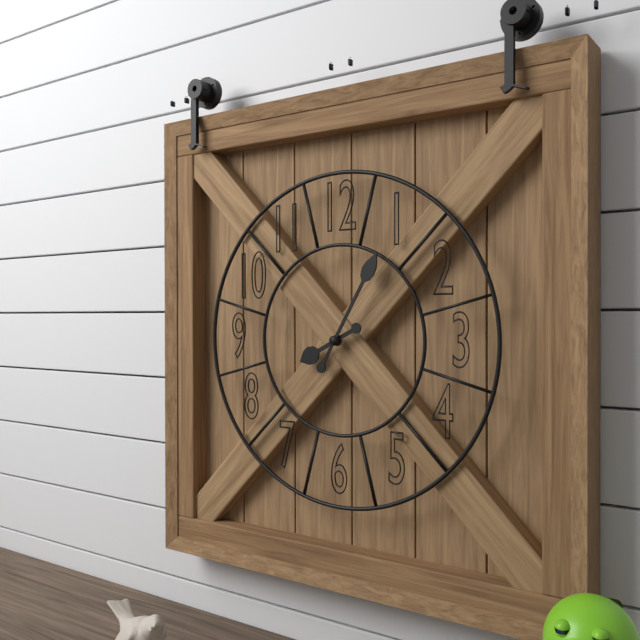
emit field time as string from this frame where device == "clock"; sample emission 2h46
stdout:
8h05
